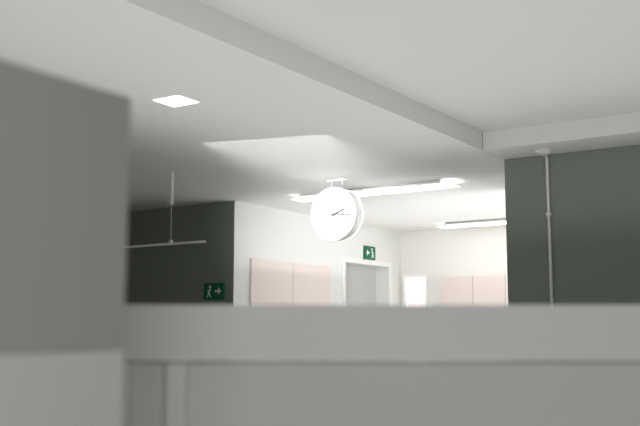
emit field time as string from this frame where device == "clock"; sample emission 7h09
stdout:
2h16
